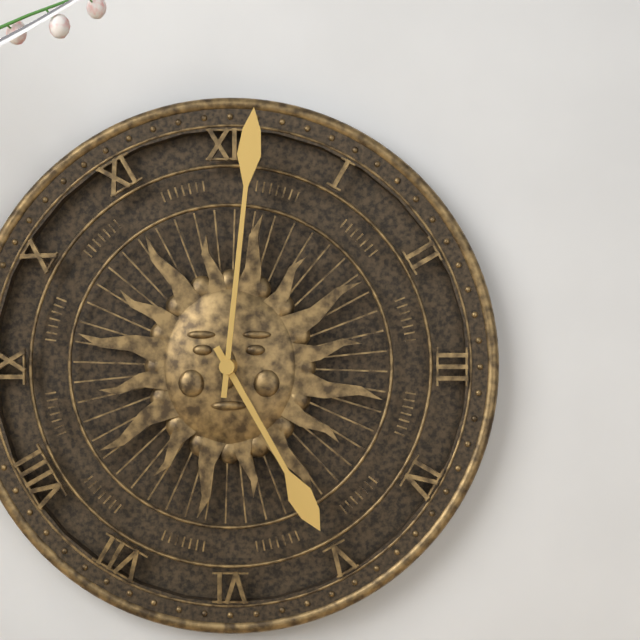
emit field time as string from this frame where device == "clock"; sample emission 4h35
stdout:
5h01
